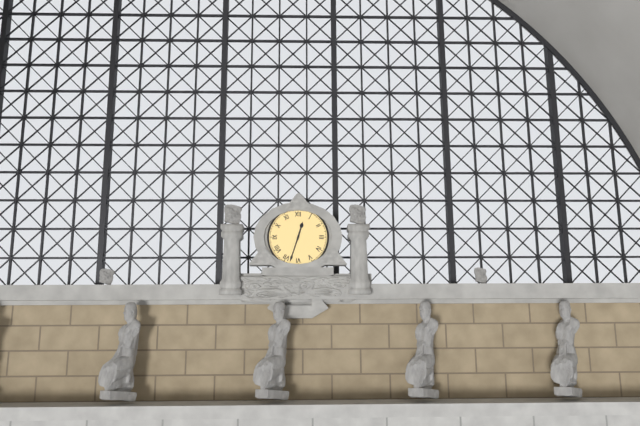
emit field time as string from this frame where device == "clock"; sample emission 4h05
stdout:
12h33
